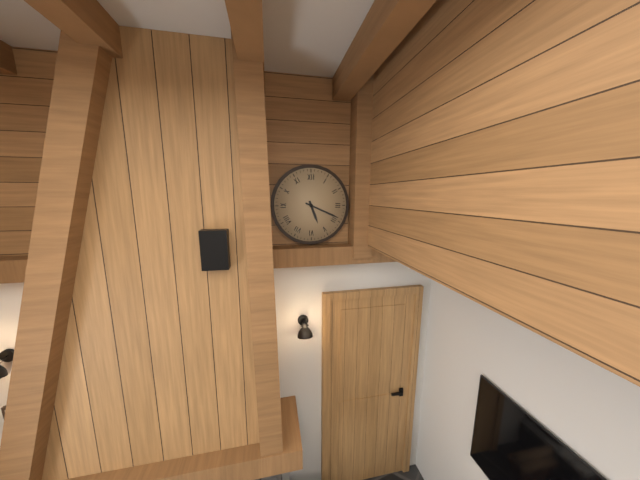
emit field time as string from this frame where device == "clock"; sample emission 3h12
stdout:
5h19
